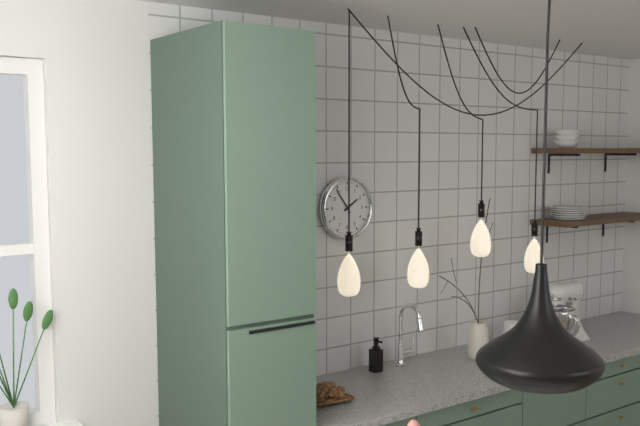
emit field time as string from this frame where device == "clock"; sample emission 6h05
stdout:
1h54
